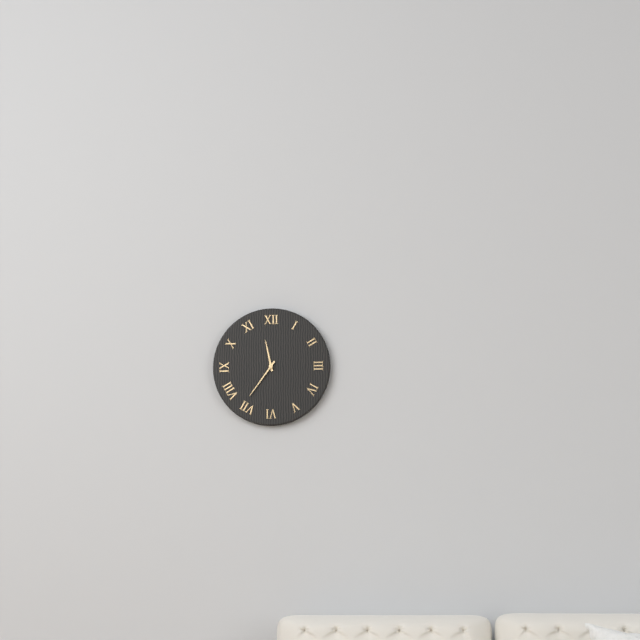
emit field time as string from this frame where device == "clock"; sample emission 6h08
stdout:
11h36
